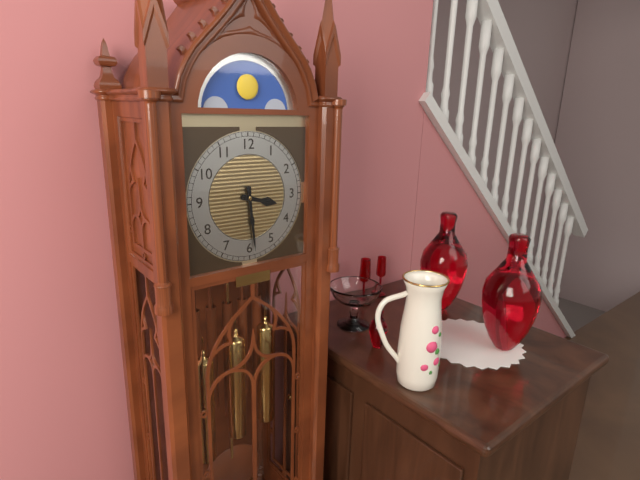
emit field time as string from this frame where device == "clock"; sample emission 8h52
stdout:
3h29
